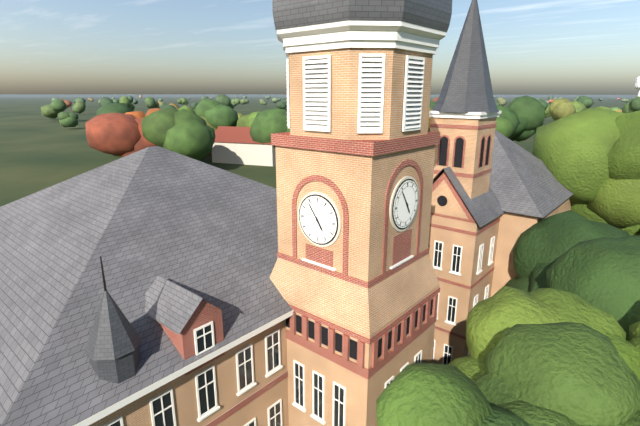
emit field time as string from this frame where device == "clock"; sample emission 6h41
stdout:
4h54
